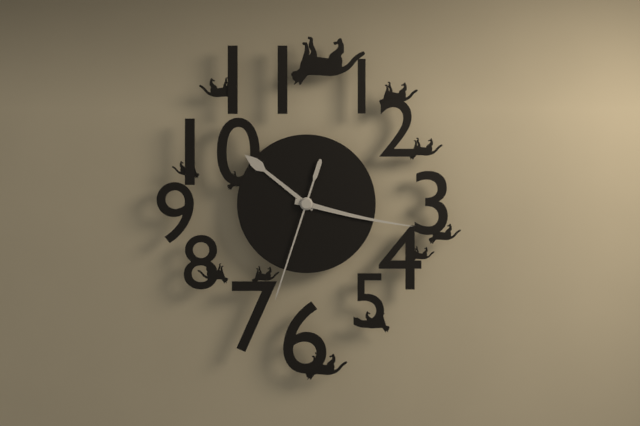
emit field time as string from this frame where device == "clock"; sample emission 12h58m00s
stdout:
10h17m33s
